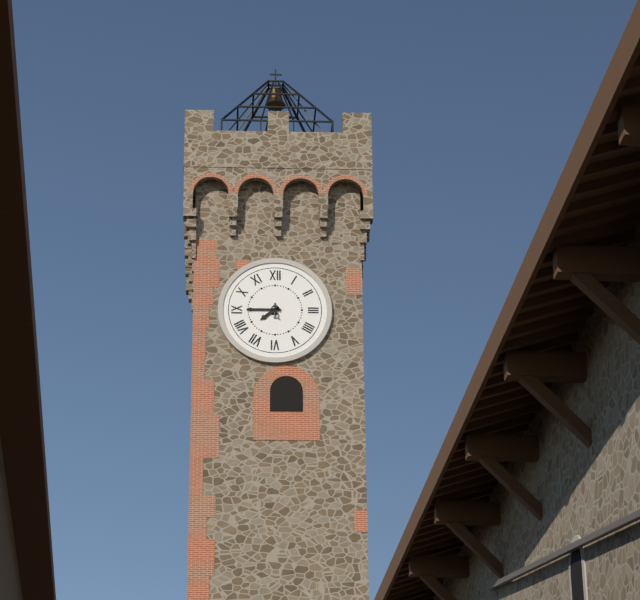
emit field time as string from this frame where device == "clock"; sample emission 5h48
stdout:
7h45
